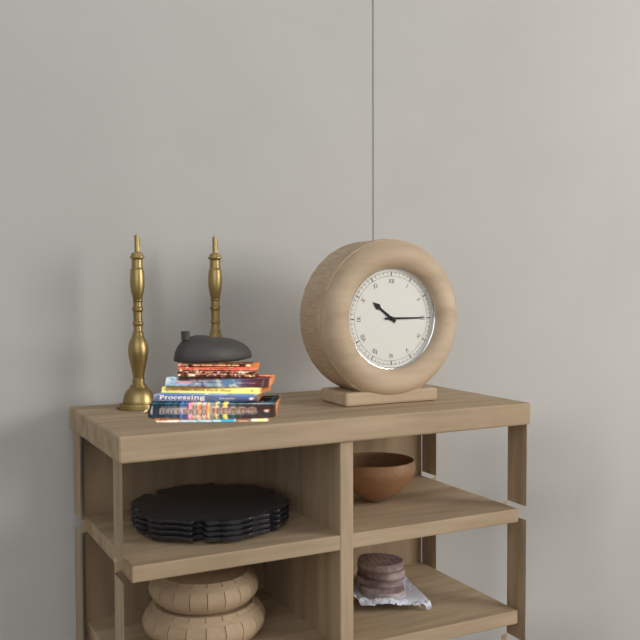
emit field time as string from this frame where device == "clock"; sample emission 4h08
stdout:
10h15
